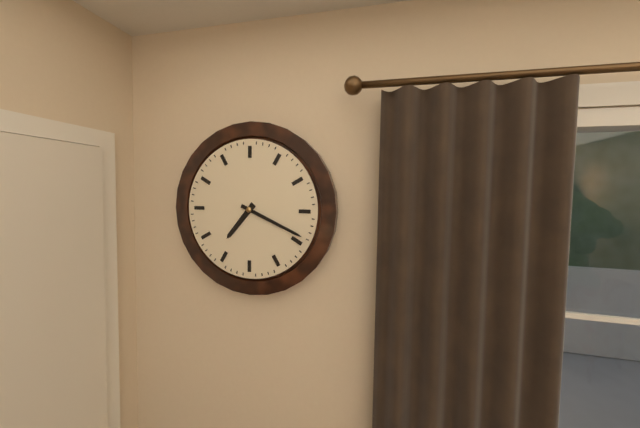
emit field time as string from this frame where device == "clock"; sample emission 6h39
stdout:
7h19
